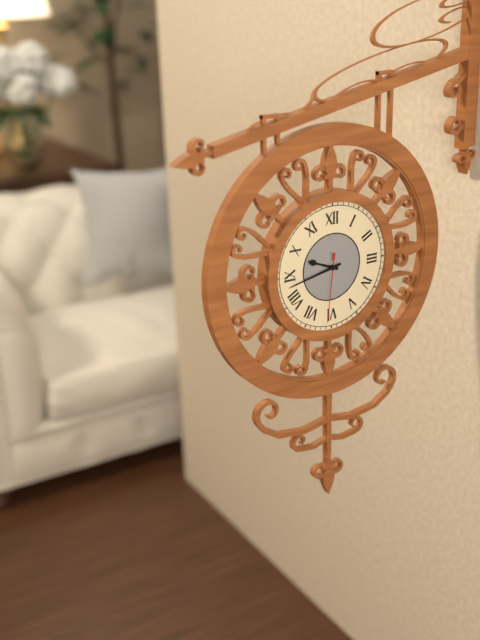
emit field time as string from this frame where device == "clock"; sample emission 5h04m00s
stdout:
9h43m31s
